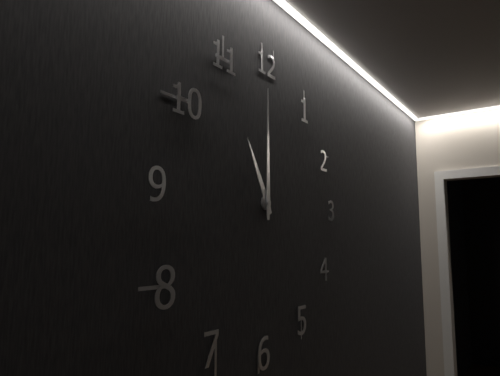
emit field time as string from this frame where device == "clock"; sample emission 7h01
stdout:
11h00
